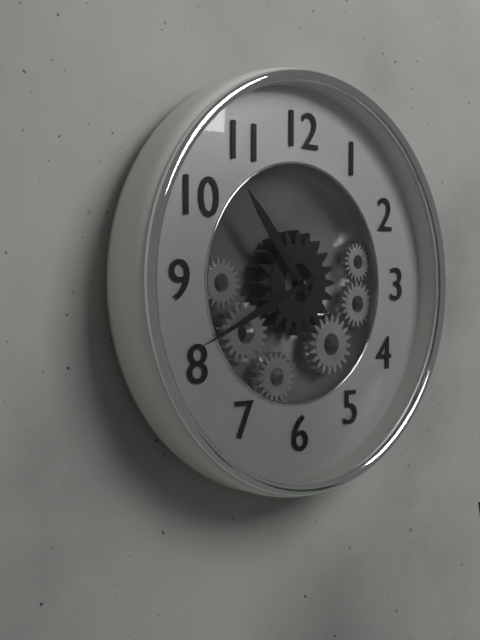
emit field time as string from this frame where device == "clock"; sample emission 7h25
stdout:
10h41
